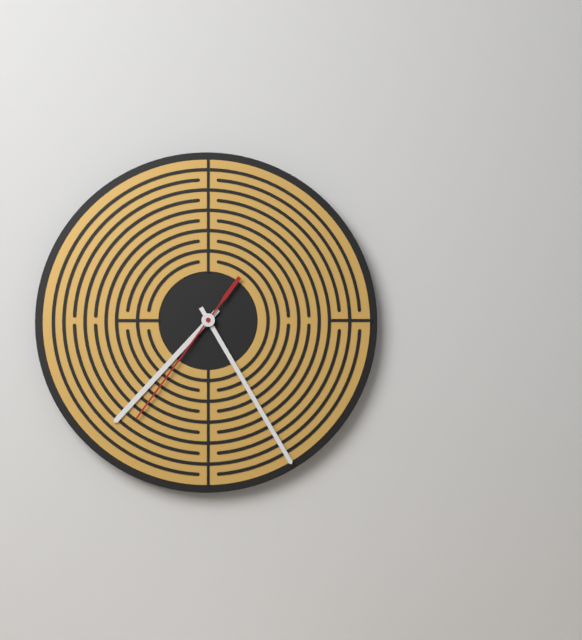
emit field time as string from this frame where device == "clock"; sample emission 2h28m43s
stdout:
7h25m36s
